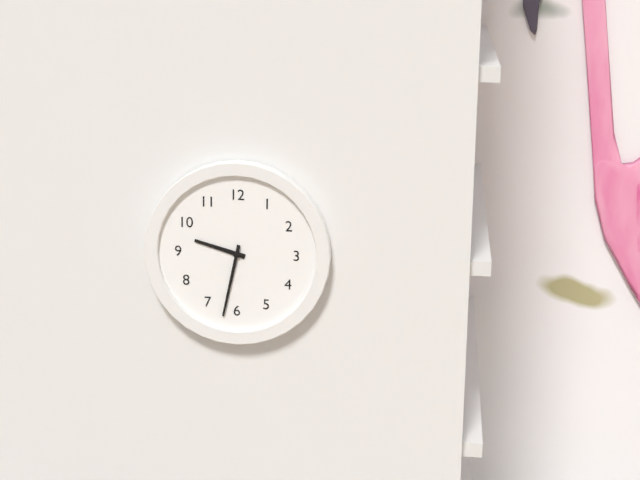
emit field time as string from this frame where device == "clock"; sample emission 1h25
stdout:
9h32
